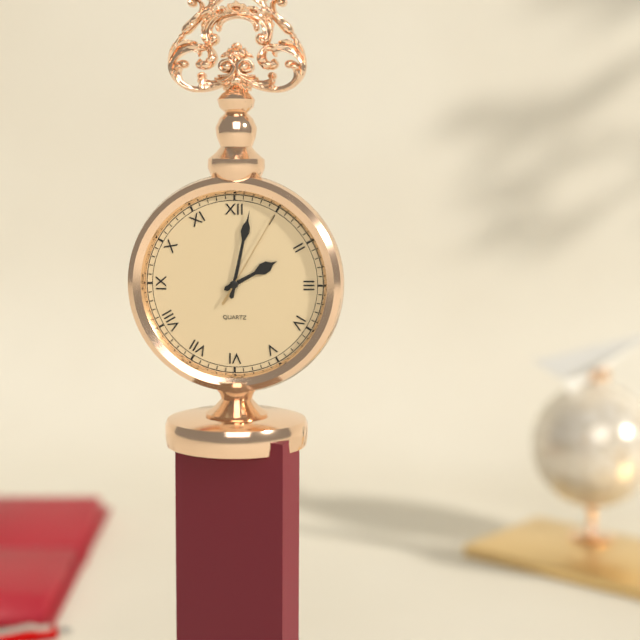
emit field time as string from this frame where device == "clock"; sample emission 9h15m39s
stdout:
2h02m05s
